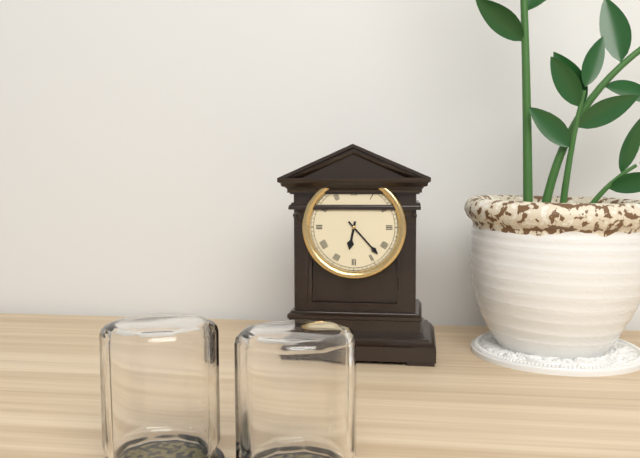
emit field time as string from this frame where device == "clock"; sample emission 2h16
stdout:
6h23
